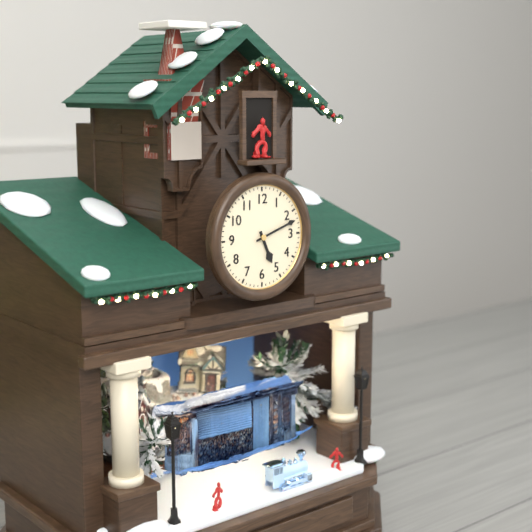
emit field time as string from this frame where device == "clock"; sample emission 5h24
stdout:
5h12
